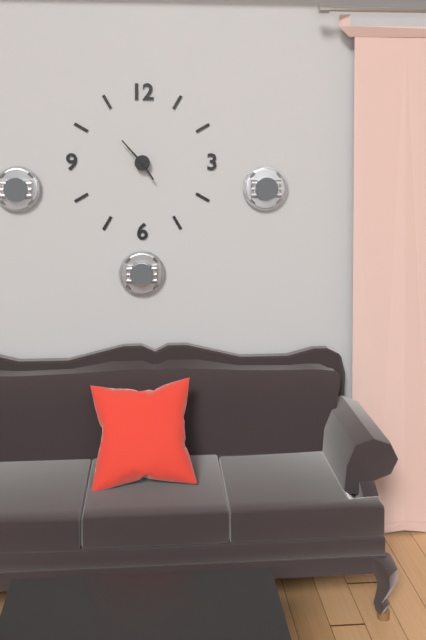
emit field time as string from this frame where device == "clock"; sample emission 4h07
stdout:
4h53
